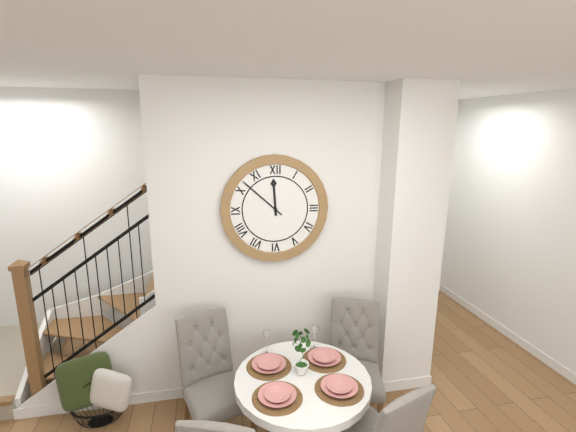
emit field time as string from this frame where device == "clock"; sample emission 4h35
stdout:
11h52
